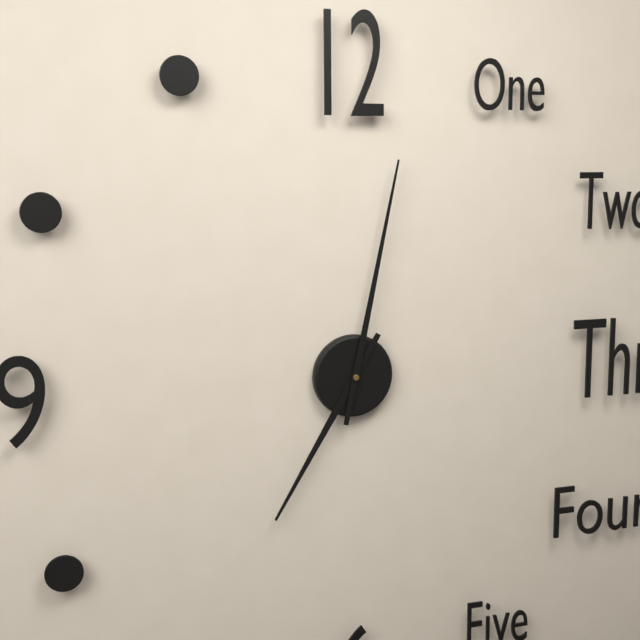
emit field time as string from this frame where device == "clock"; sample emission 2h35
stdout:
7h02
